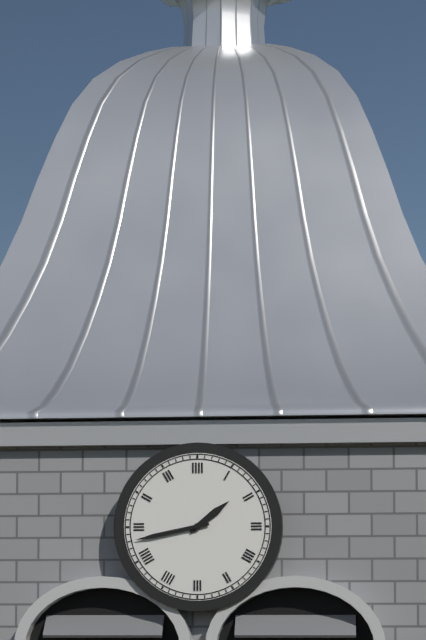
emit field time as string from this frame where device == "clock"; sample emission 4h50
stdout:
1h43
